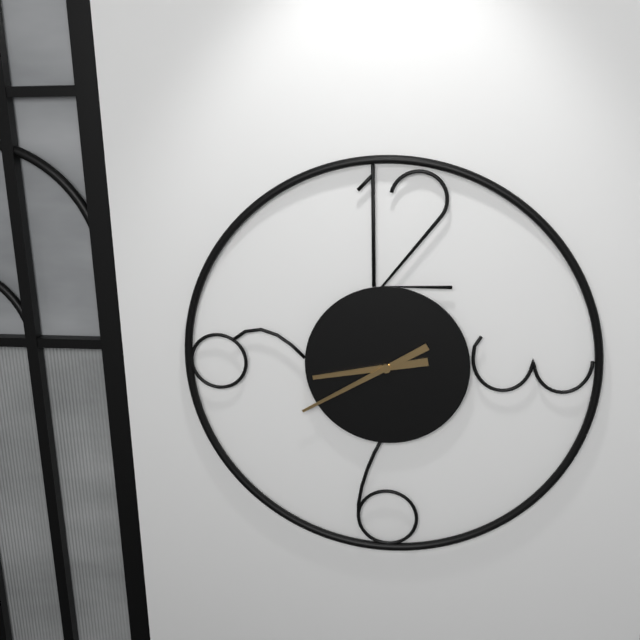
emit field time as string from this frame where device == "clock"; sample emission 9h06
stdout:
8h40
